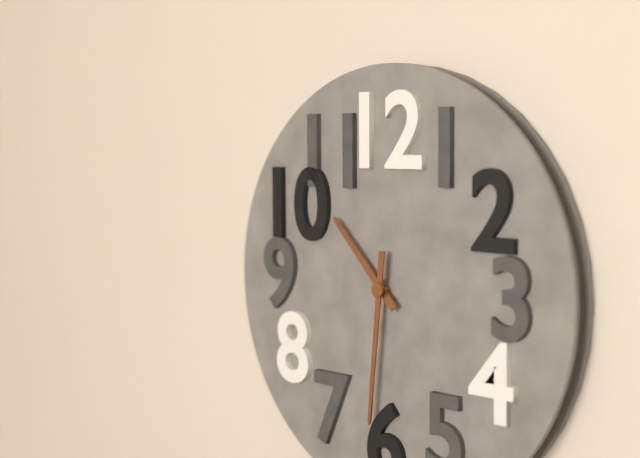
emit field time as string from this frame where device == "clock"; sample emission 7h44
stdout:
10h31
